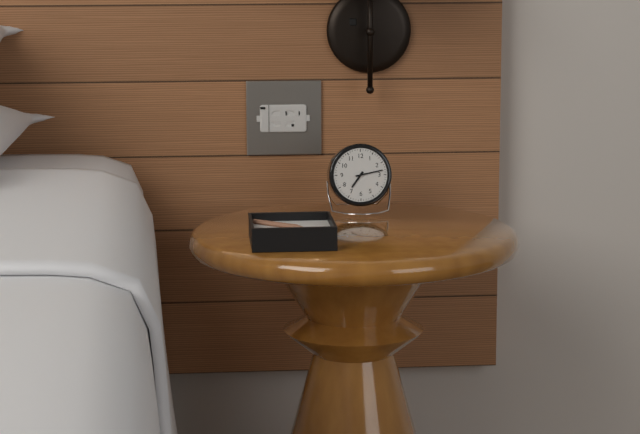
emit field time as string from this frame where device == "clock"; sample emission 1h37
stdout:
7h13
